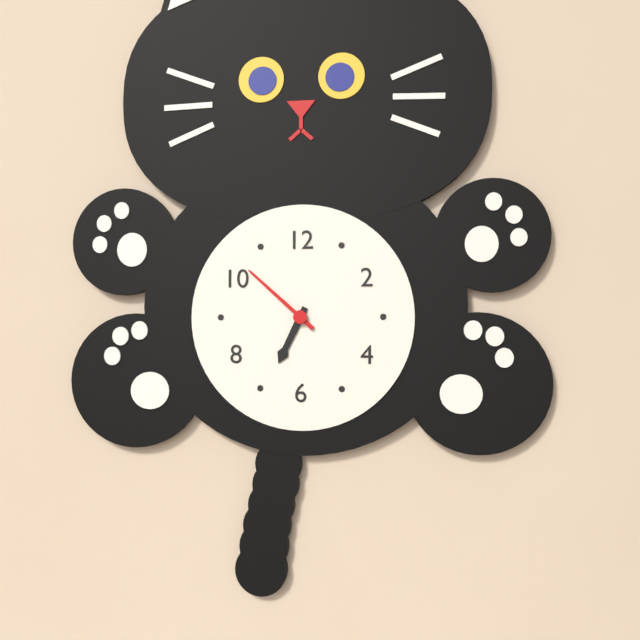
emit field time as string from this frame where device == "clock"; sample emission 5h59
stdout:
6h52
